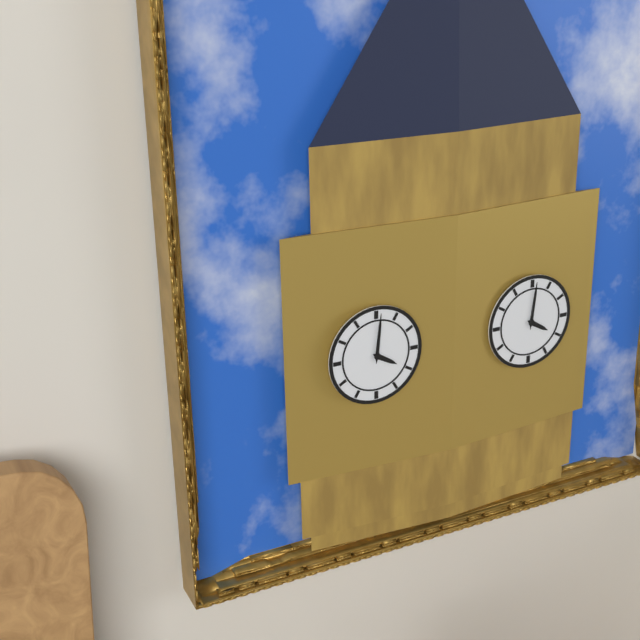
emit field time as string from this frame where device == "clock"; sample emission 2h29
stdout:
4h01
